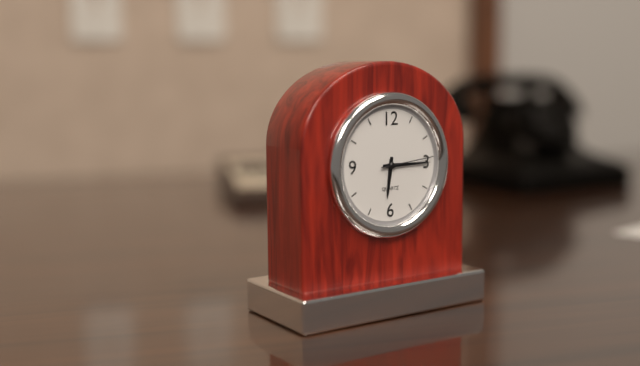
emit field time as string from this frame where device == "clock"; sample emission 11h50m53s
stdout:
6h15m14s
